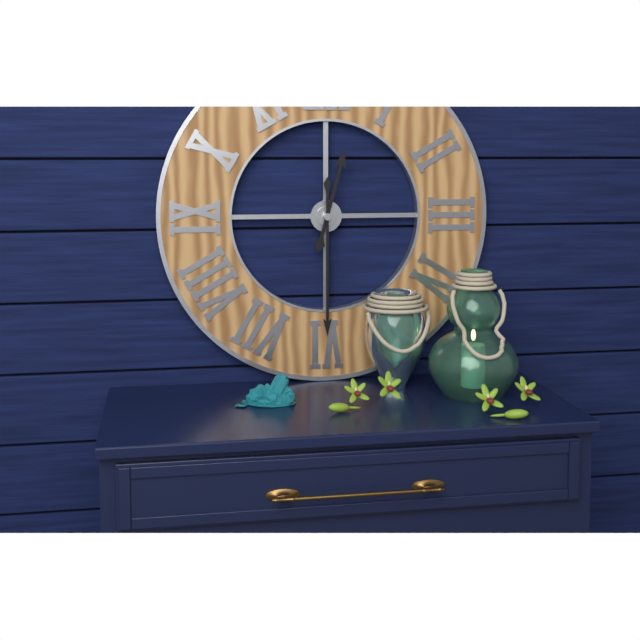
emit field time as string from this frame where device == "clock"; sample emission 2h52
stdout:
12h30
